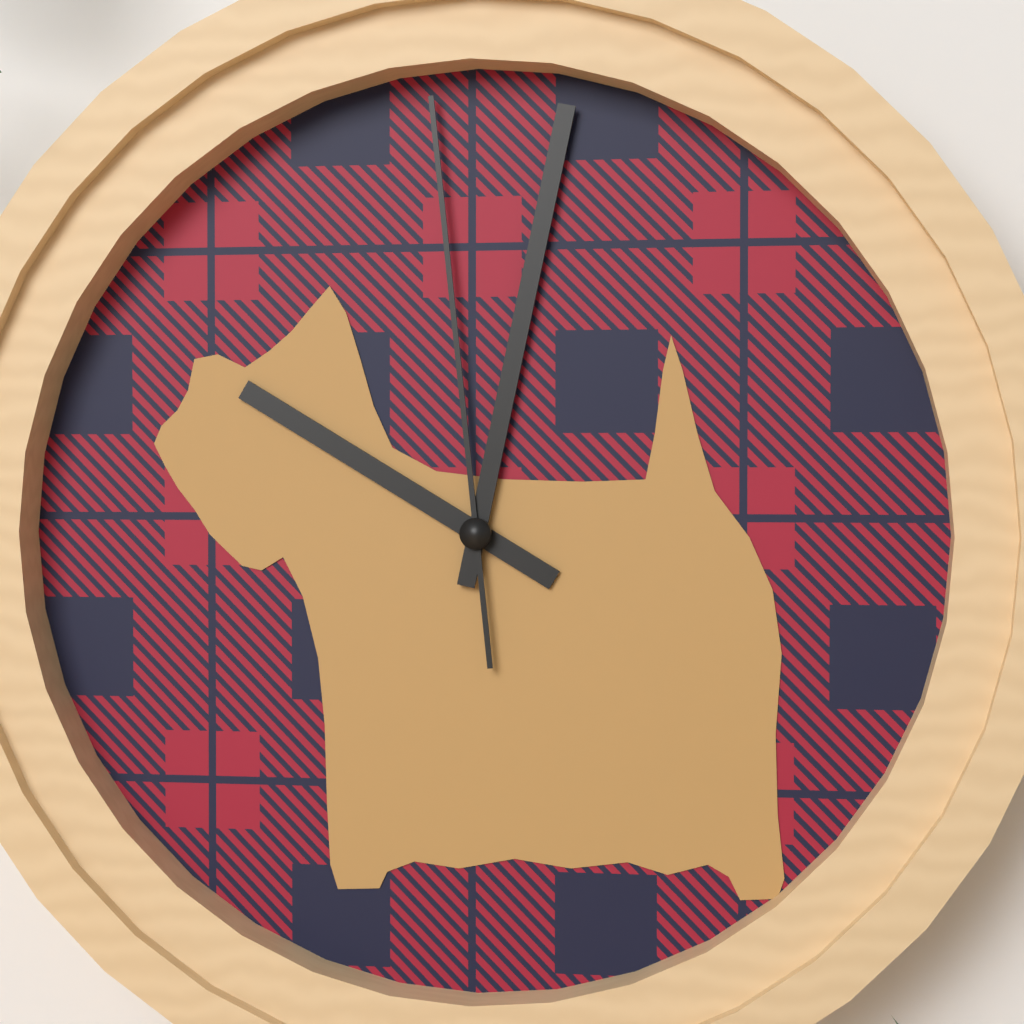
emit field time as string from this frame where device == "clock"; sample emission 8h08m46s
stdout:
10h02m59s
